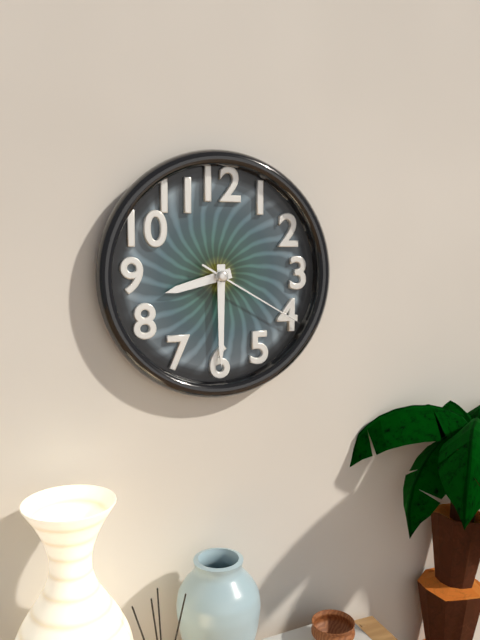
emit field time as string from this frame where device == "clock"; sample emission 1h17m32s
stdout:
8h30m20s
